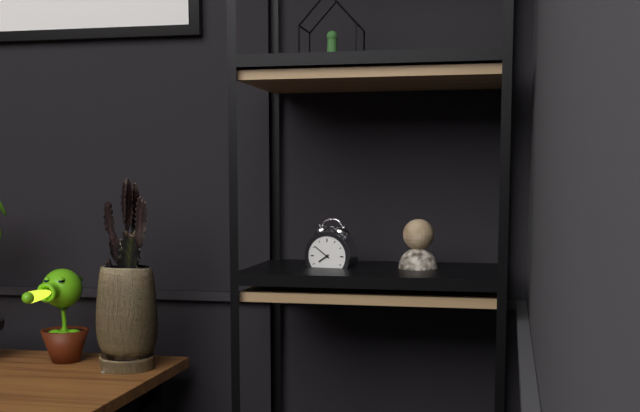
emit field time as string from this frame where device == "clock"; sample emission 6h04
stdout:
7h51
